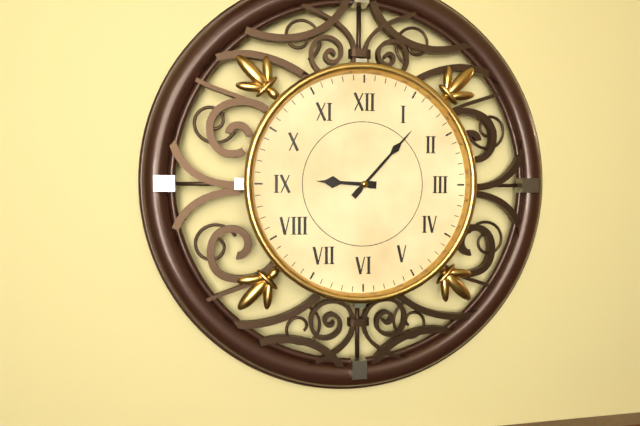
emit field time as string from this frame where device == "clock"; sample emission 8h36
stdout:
9h07
